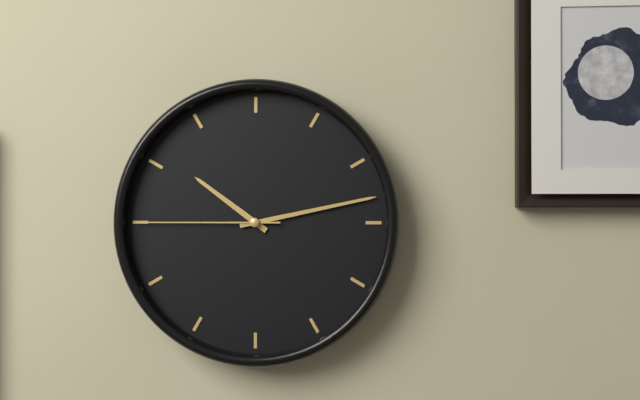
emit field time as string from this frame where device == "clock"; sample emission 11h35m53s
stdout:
10h13m45s
